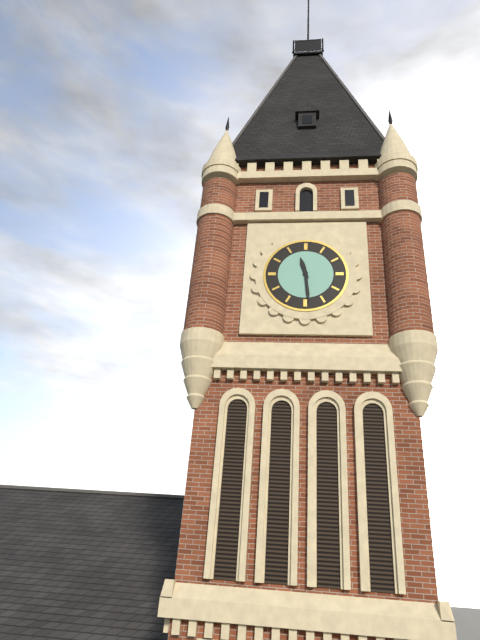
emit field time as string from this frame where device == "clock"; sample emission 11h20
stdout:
11h29
